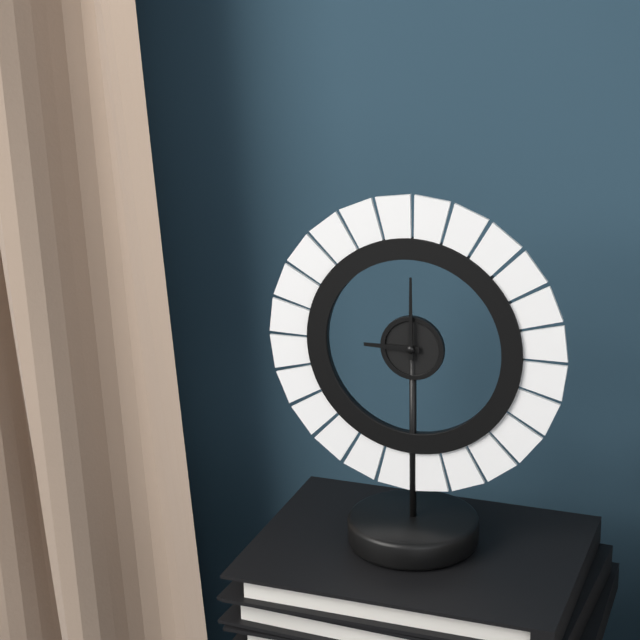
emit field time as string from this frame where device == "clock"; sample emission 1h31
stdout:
9h00
